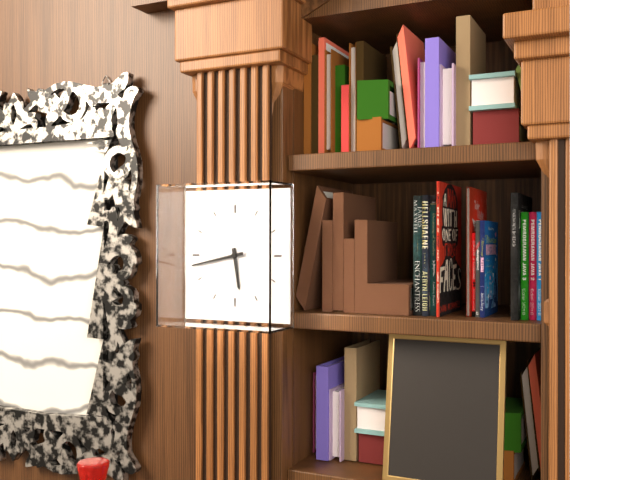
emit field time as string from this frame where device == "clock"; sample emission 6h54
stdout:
5h43
